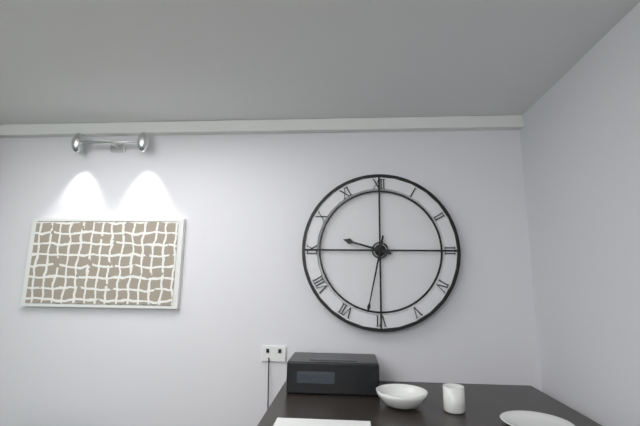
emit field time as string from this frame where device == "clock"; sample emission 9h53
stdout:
9h32
